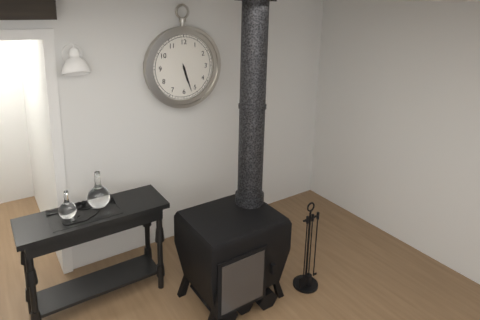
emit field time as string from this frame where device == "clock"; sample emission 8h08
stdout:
5h27
